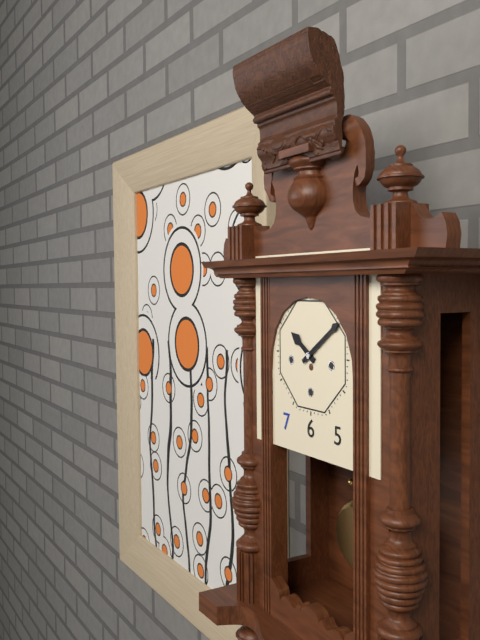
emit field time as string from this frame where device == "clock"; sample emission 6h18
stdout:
10h09
